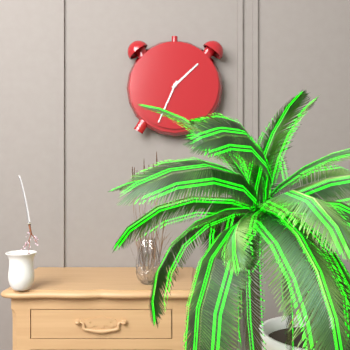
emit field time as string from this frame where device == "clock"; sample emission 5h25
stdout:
1h34
